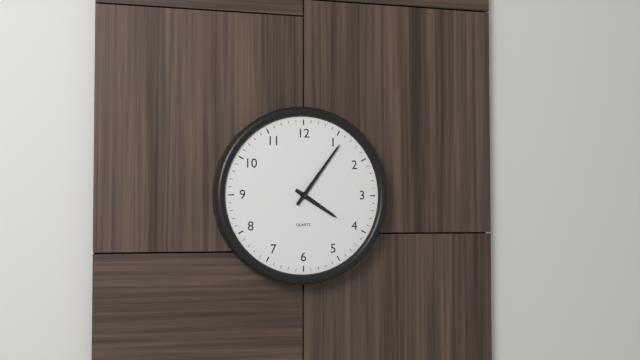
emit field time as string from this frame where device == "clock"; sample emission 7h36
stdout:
4h06
